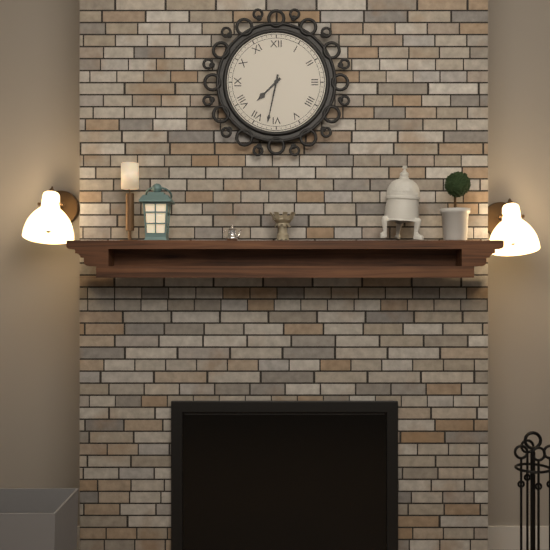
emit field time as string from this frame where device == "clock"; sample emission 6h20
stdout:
7h32
